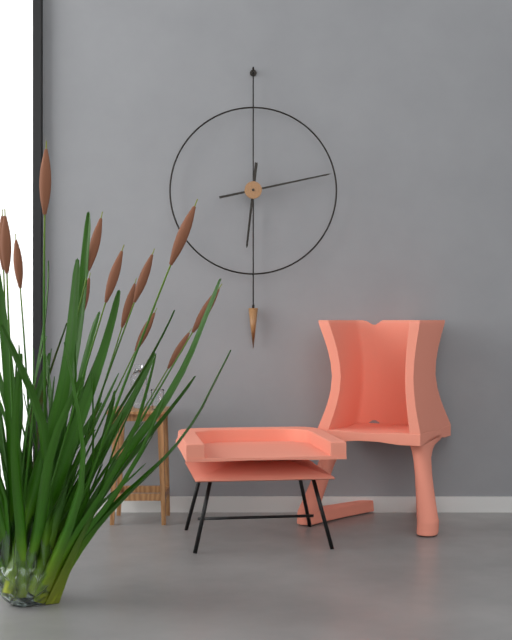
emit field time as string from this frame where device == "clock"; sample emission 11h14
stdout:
6h13
